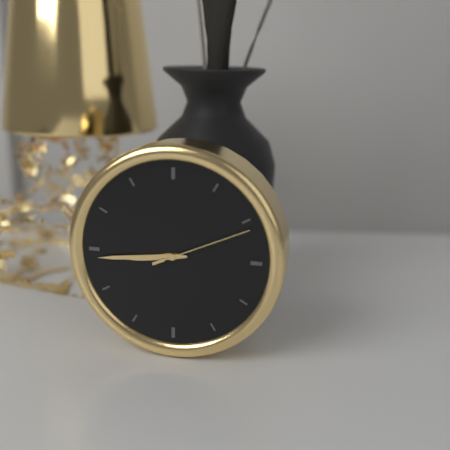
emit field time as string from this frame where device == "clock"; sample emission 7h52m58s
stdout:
8h44m11s
